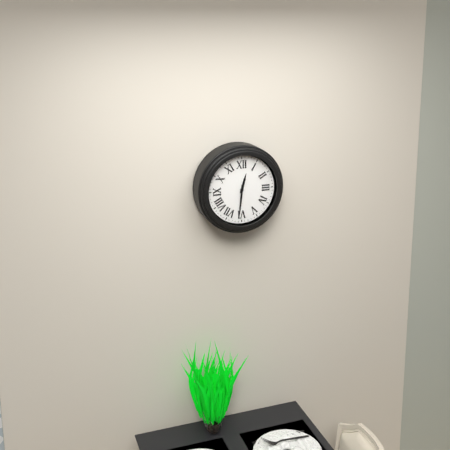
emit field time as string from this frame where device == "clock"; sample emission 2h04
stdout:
12h31
